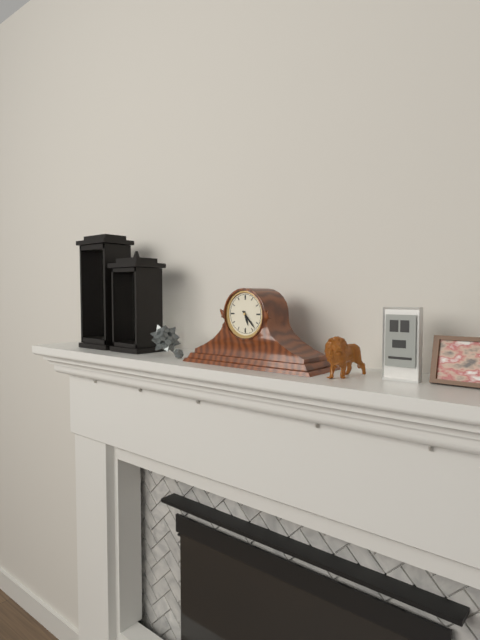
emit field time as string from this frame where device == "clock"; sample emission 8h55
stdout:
5h23
